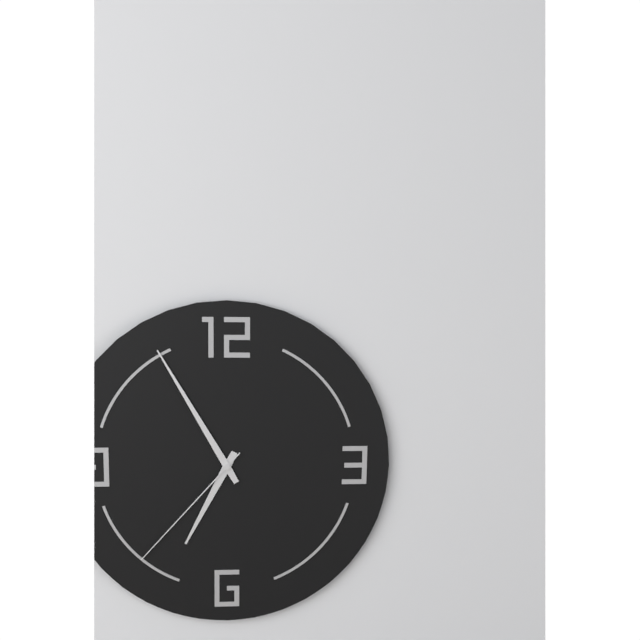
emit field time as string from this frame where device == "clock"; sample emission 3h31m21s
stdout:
6h55m37s
